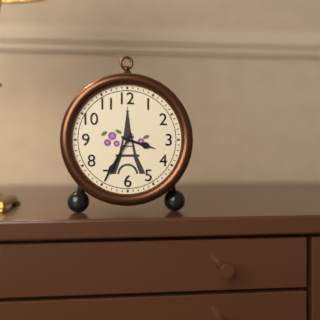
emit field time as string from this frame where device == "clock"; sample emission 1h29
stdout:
3h35
